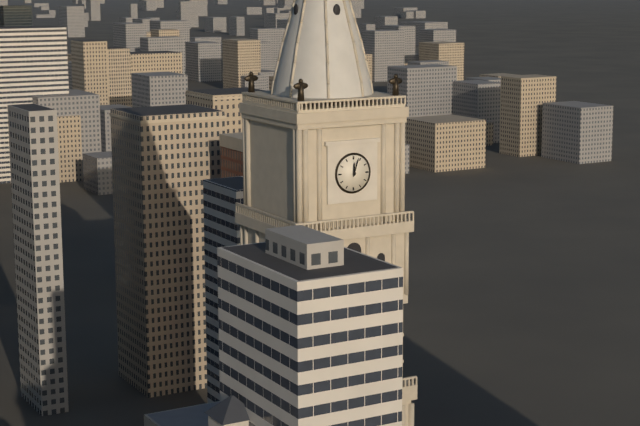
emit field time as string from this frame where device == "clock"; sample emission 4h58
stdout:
12h03
